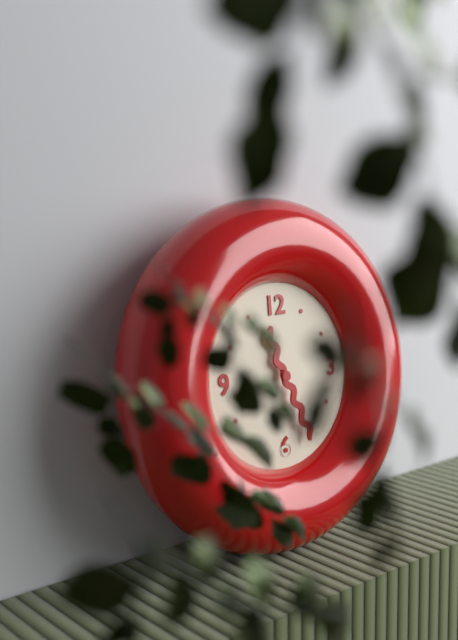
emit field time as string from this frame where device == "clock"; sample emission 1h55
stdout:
11h26
